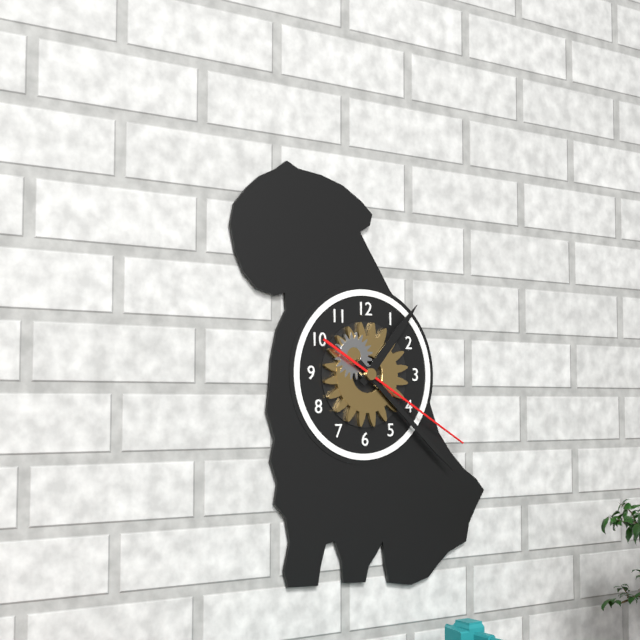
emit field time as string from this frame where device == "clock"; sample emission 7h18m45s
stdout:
1h22m20s
